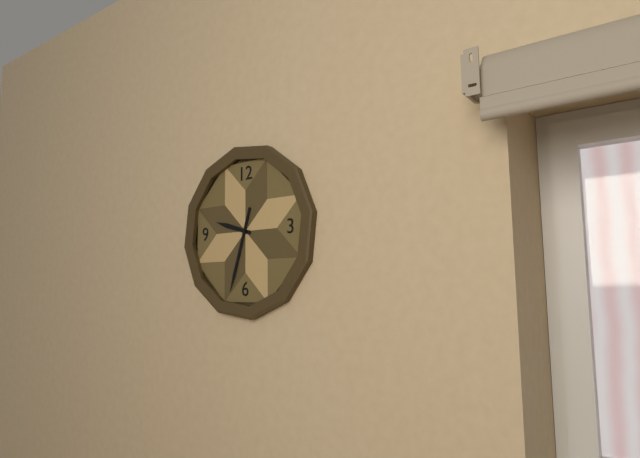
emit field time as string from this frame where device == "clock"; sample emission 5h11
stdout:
9h33
